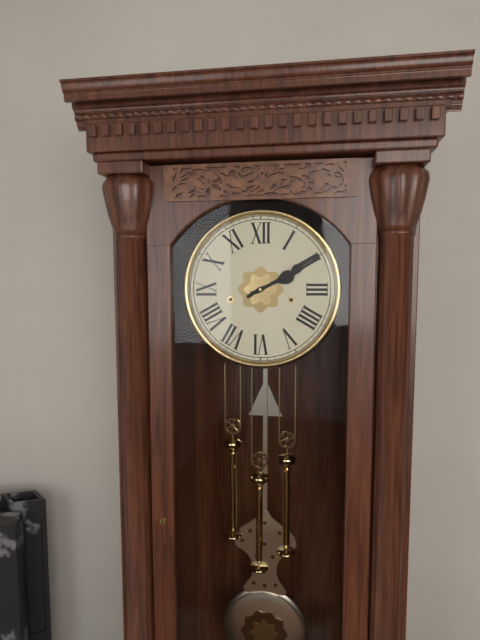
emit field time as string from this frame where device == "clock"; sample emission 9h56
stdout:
2h10
